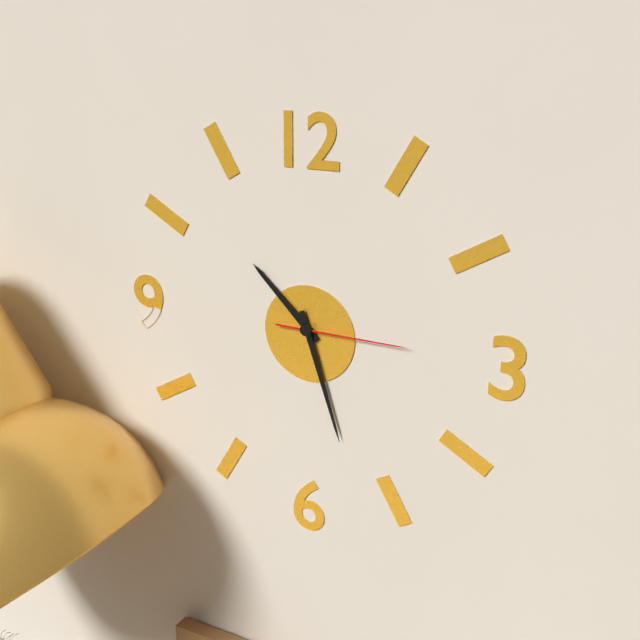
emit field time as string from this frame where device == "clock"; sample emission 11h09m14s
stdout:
10h27m15s
